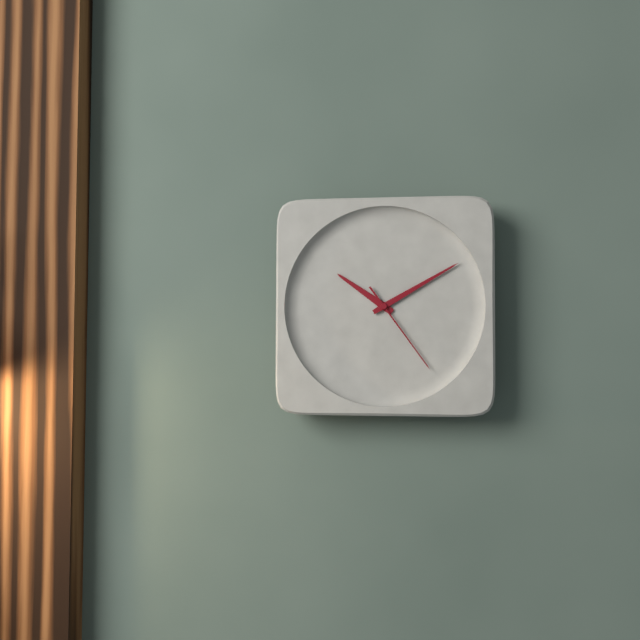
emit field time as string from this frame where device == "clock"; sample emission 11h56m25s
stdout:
10h10m24s
